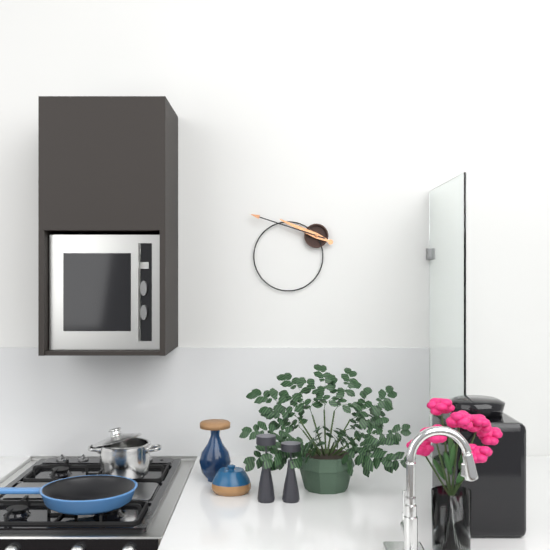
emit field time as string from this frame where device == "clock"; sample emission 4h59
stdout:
9h48
